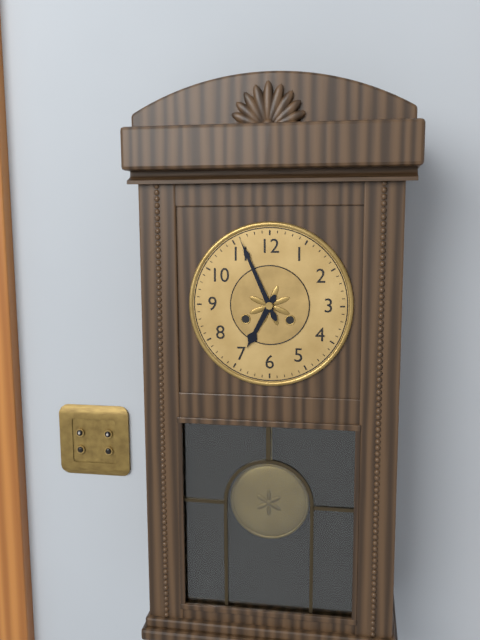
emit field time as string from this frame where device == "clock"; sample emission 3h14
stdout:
6h56
